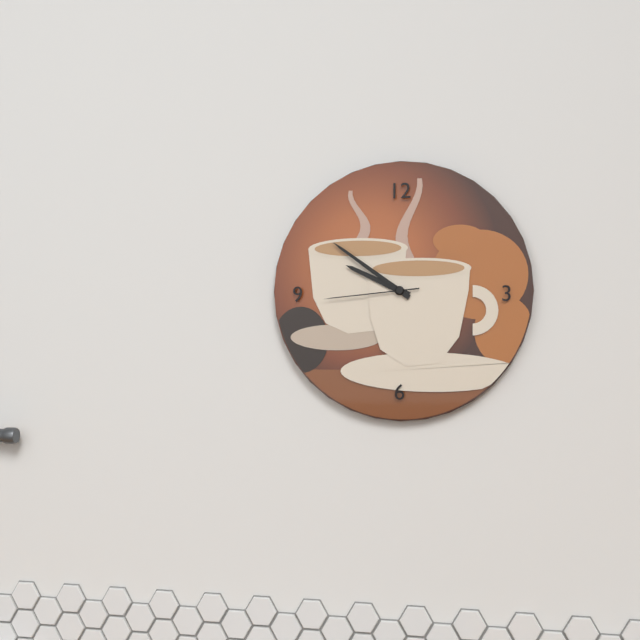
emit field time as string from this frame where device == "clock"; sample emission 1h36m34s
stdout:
9h51m44s
